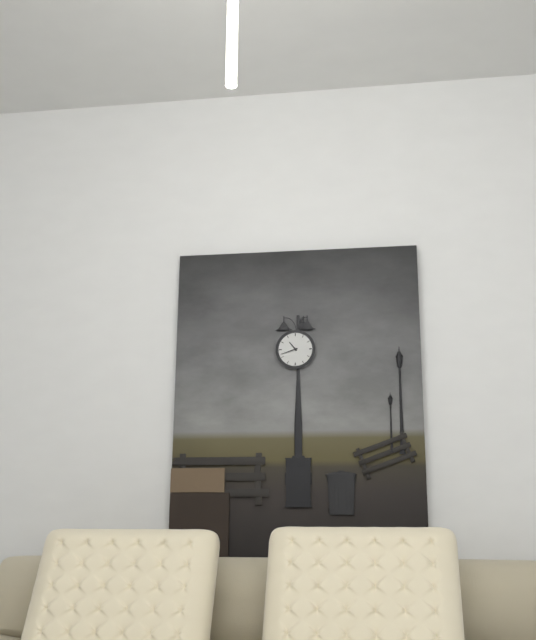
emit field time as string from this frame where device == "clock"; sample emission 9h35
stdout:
10h42
